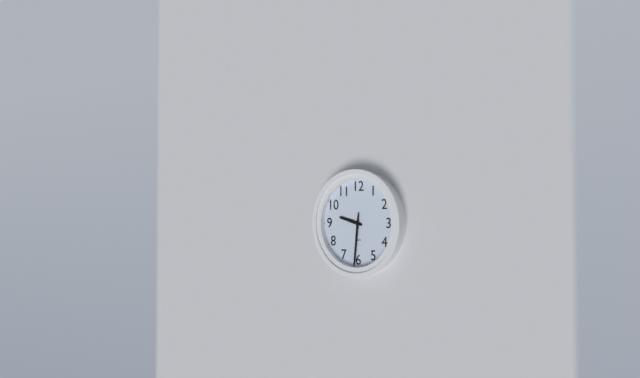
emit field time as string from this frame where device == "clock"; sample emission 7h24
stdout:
9h31
